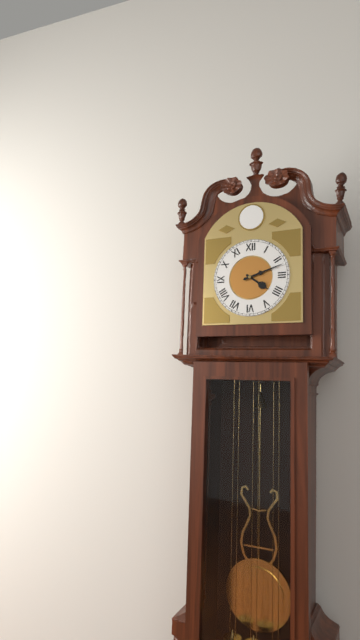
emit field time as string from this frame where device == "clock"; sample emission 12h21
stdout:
4h12
